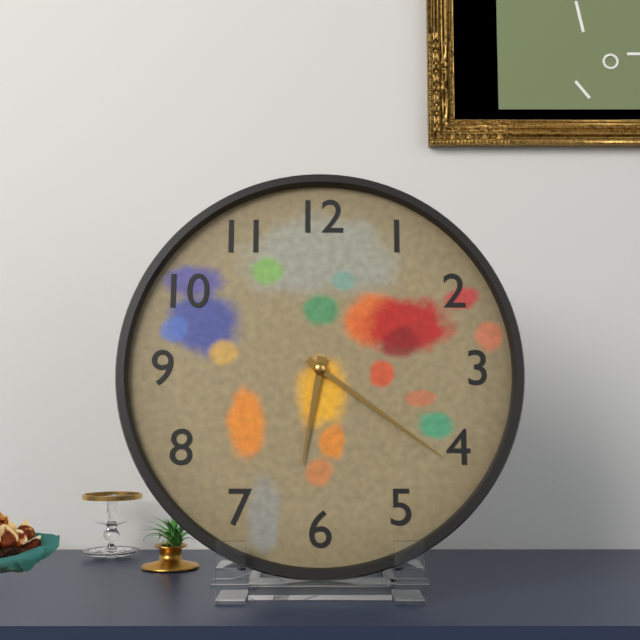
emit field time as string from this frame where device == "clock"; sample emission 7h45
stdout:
6h21
